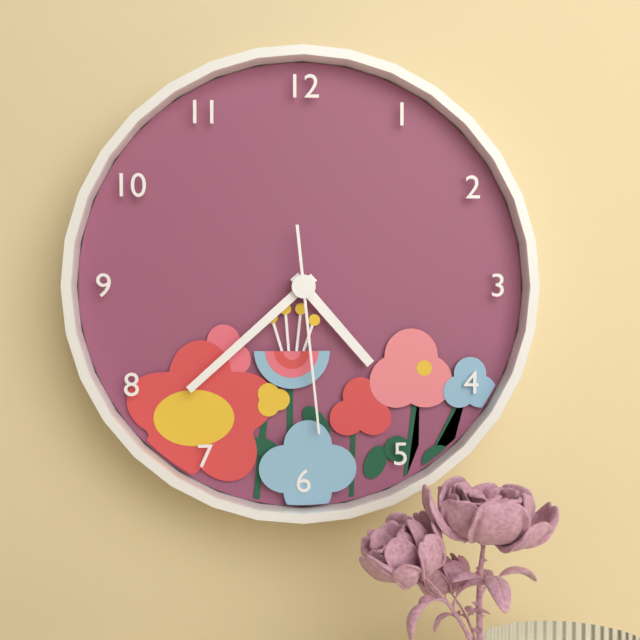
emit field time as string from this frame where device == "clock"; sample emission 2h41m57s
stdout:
4h38m29s
